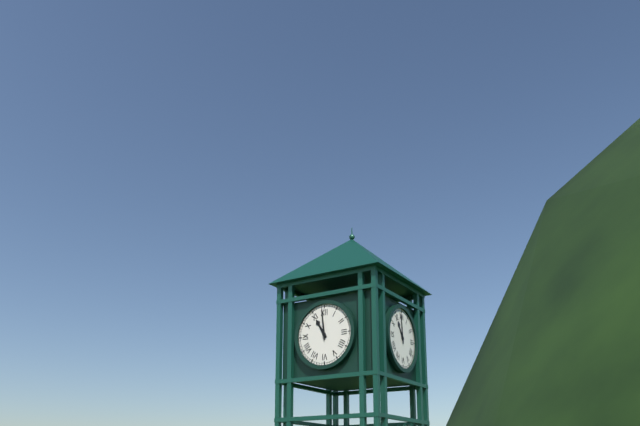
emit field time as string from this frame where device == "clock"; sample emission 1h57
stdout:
10h59
